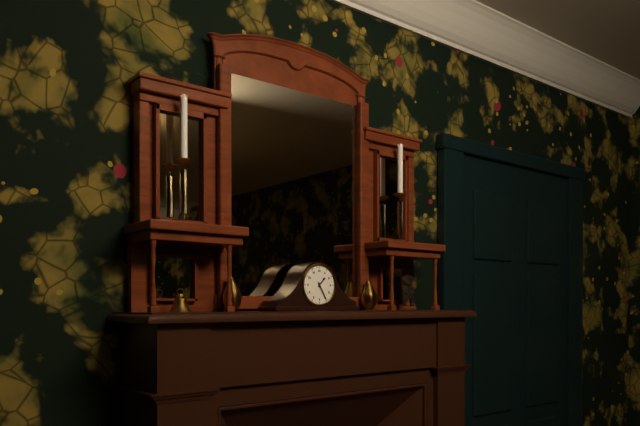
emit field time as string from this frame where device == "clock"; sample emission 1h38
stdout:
1h25
